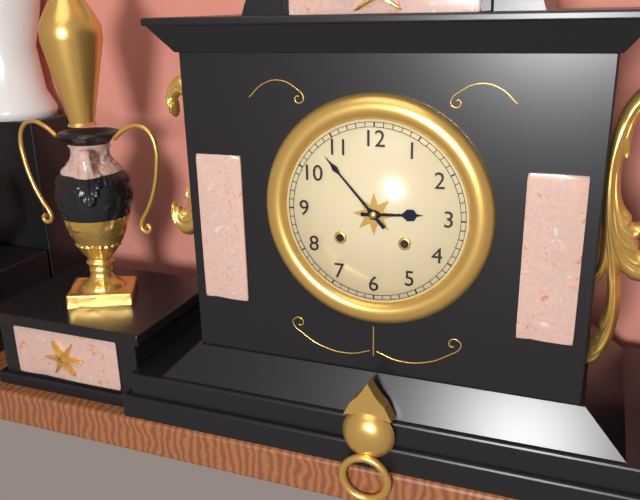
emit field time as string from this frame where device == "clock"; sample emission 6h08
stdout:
2h53
